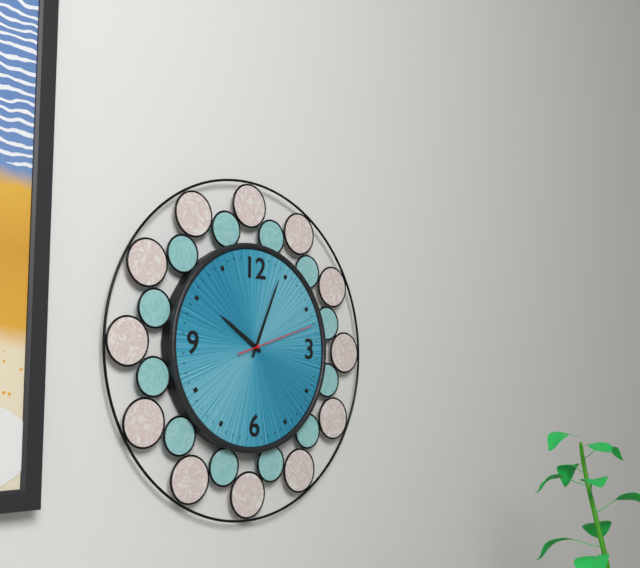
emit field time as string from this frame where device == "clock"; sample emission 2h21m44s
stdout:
10h04m12s
